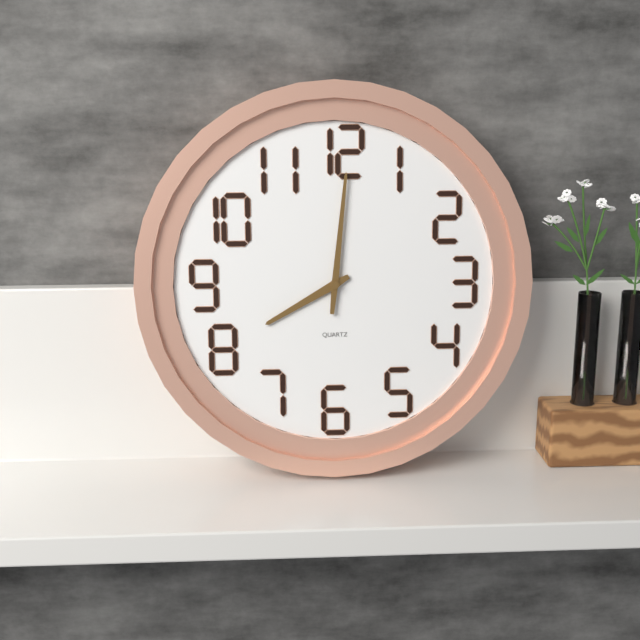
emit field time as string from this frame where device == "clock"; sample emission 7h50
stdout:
8h01
